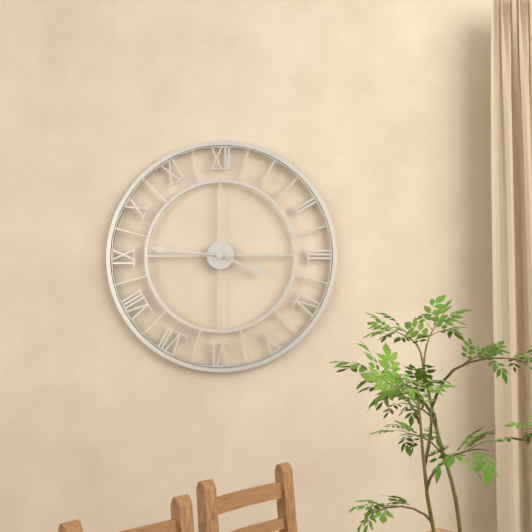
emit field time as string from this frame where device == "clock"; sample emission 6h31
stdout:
3h46
